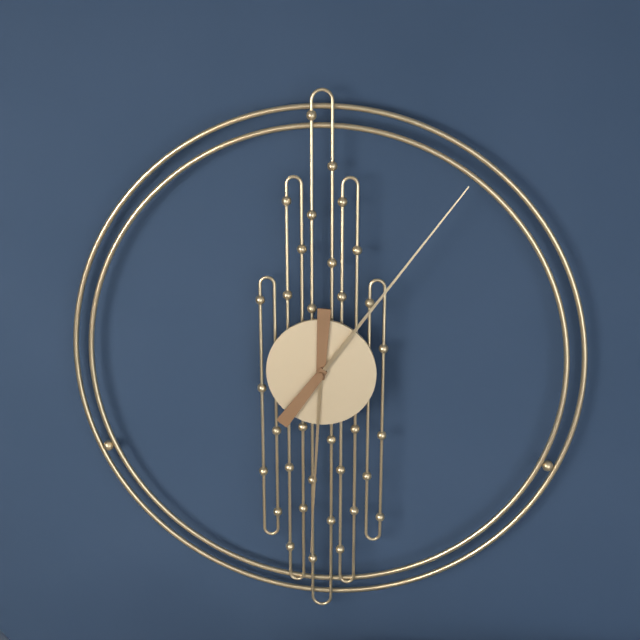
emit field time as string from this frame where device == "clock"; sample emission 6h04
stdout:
6h06
